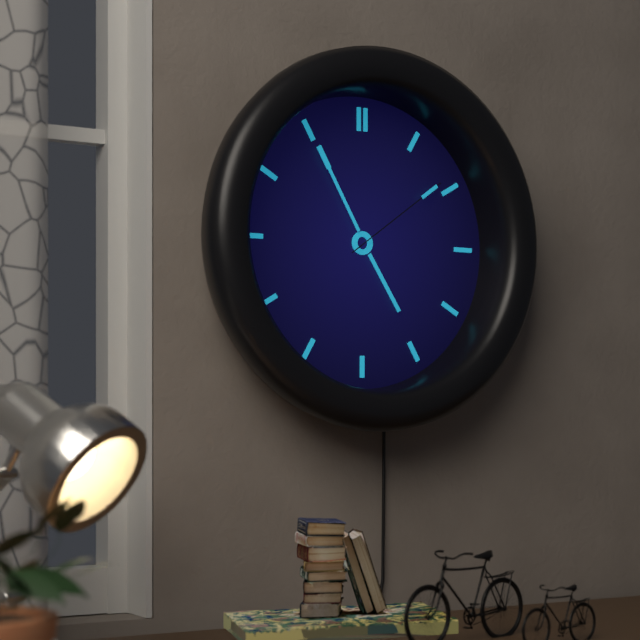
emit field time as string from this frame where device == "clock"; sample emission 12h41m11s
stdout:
4h55m09s
